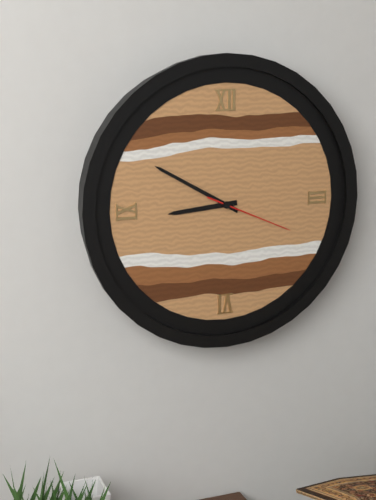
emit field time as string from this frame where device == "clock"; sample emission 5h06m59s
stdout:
8h50m19s
